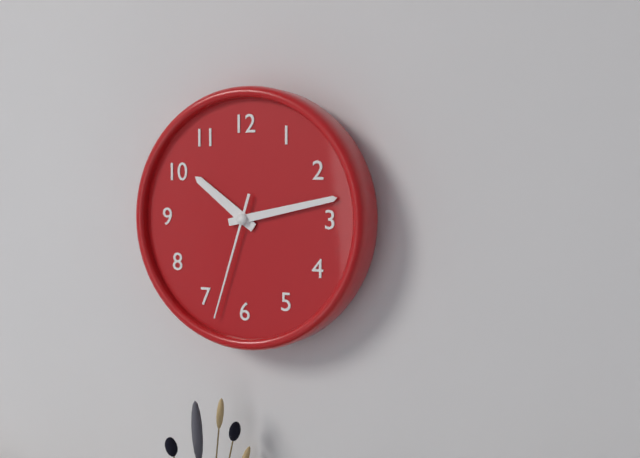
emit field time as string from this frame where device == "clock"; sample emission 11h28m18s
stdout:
10h13m33s
